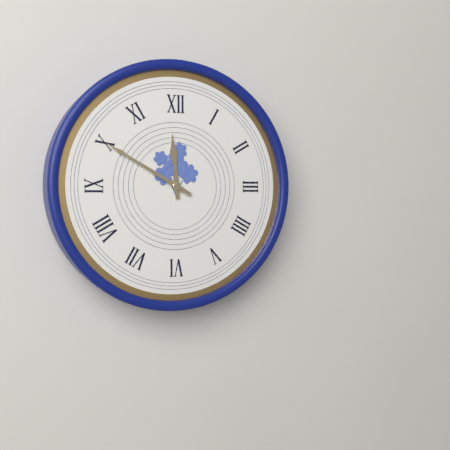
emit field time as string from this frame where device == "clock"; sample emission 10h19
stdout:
11h50
